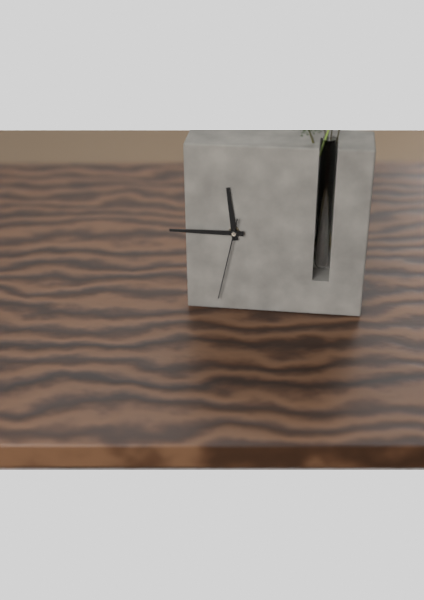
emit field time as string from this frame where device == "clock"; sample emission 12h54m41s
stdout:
11h45m32s
